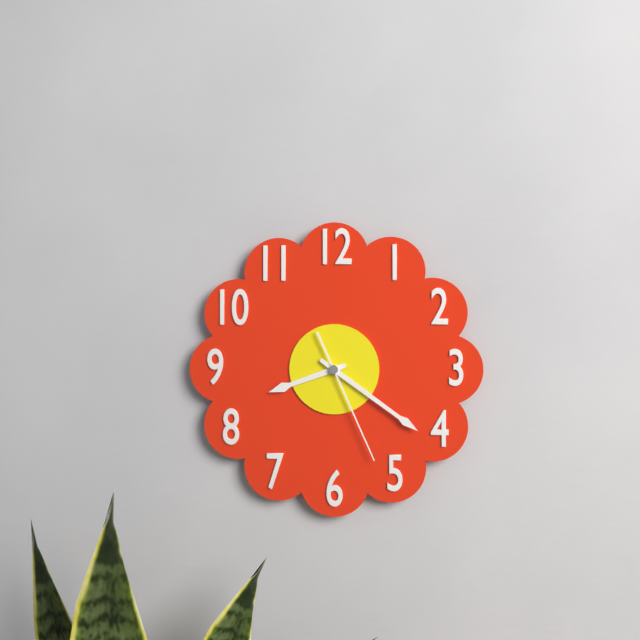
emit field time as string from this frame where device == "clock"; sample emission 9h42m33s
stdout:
8h21m26s
